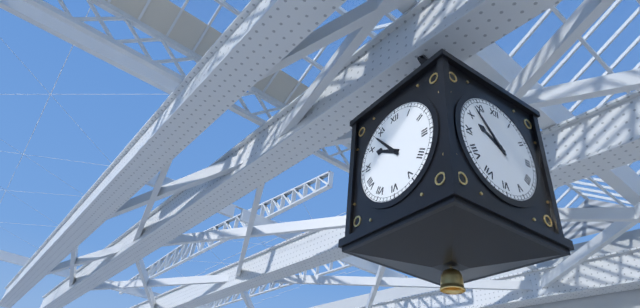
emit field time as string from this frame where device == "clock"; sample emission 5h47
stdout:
9h53
